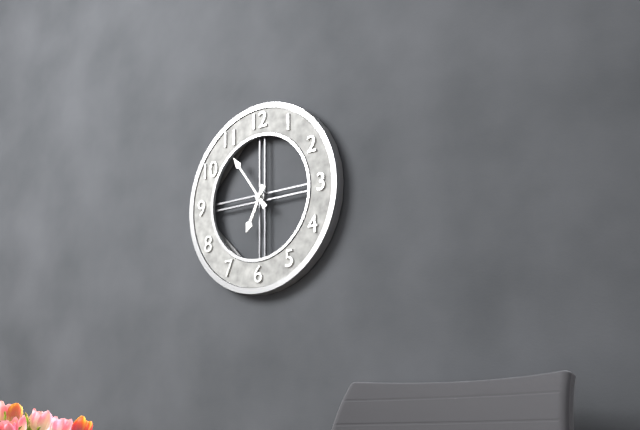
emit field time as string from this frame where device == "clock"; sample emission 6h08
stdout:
6h54
